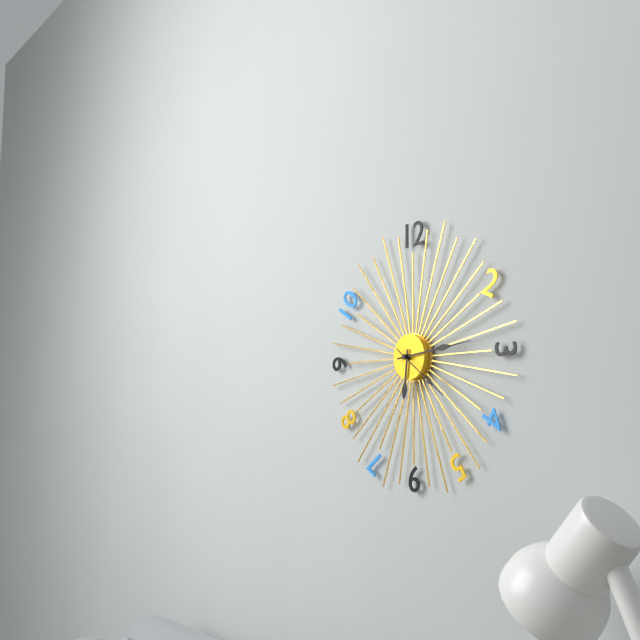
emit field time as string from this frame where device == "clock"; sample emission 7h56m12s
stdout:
6h14m21s
